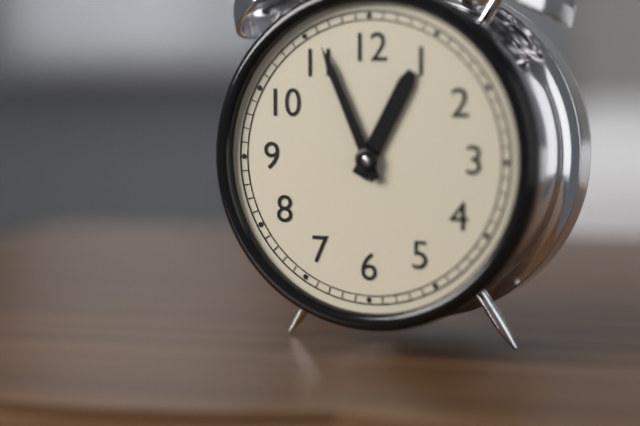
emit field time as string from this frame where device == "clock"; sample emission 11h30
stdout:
12h56
